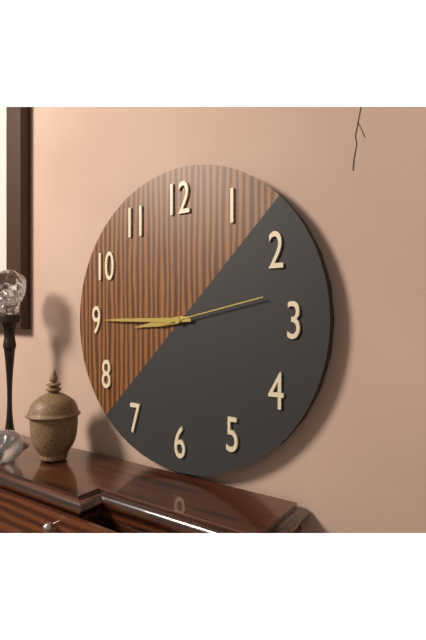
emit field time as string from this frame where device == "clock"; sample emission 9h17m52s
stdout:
8h45m13s
